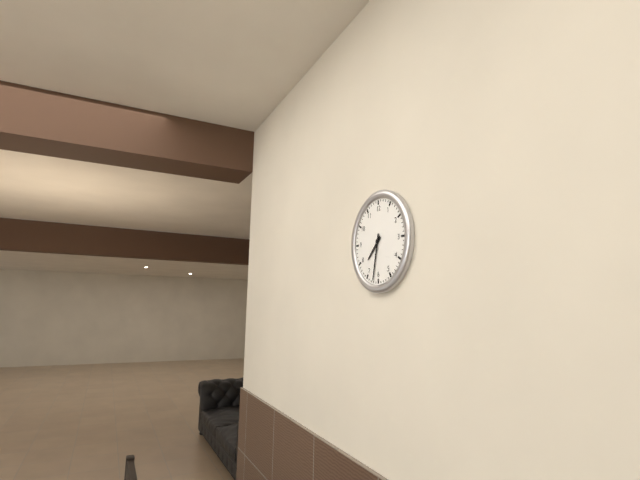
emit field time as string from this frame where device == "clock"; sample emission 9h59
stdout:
7h32
